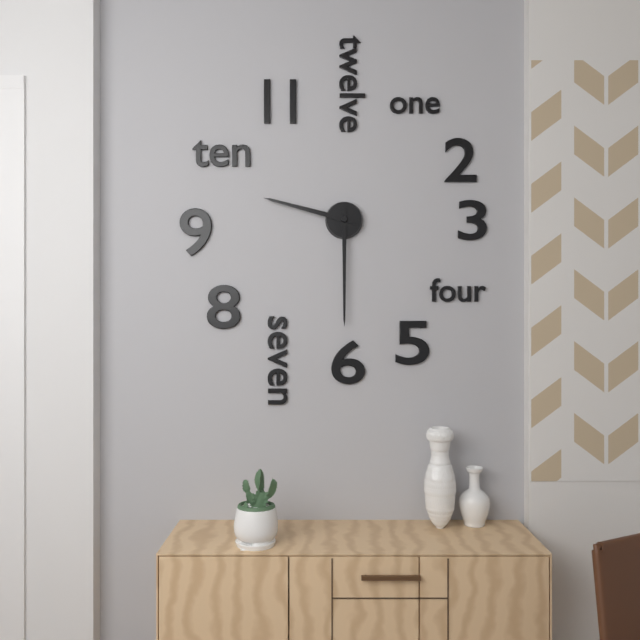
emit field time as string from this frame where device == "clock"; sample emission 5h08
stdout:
9h30
